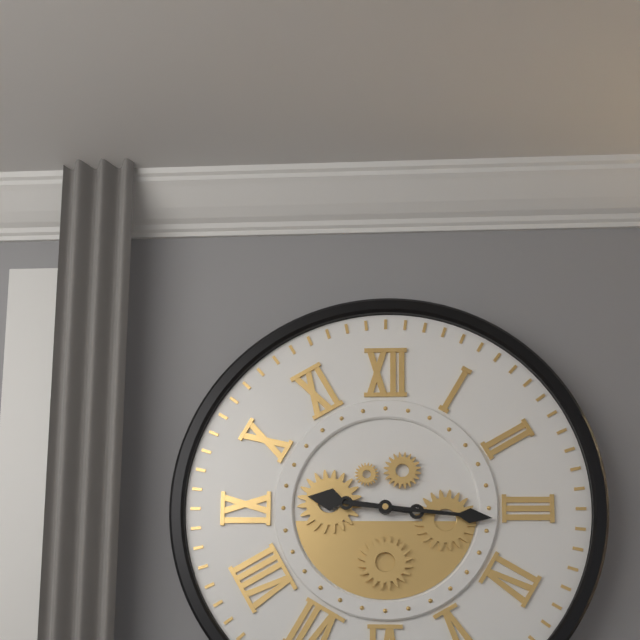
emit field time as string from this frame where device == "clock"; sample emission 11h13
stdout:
9h16
